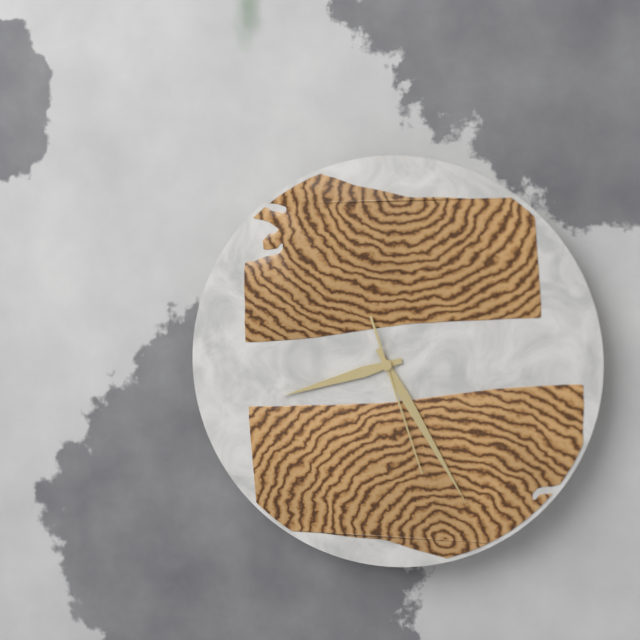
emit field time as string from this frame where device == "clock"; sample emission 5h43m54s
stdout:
8h25m27s
